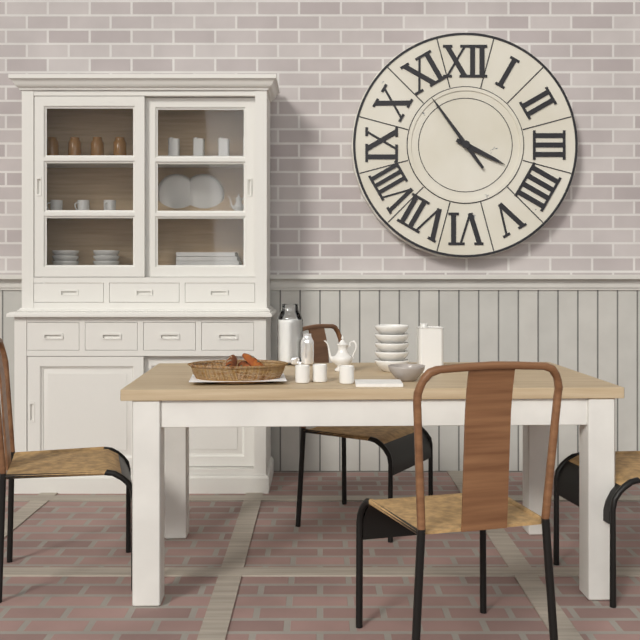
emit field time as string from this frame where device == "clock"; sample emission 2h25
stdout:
3h54
